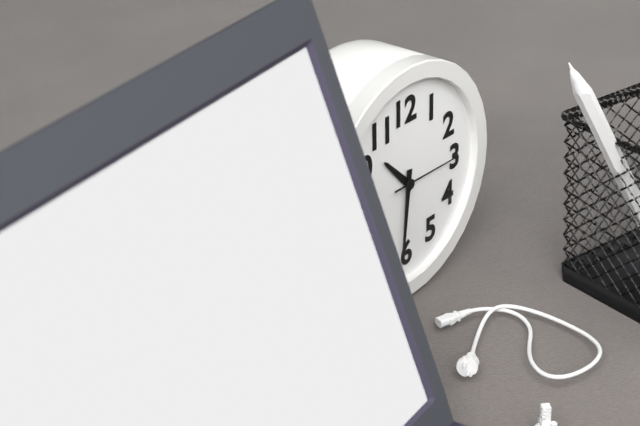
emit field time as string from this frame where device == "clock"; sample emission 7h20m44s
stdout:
10h31m15s
